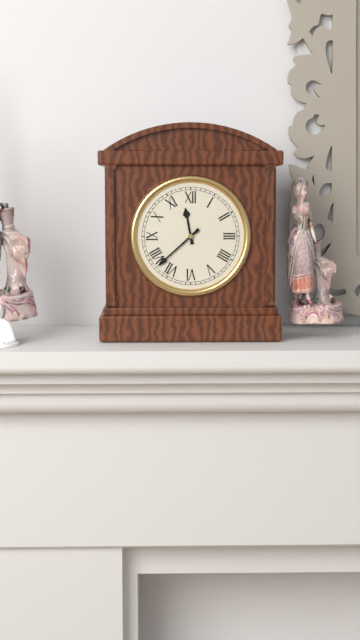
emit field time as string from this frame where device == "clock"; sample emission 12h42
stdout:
11h38
